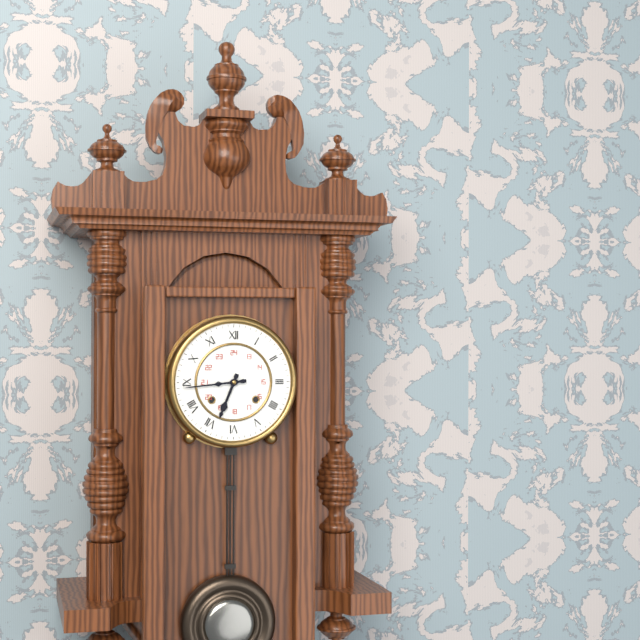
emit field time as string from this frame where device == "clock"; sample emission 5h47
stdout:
6h44
